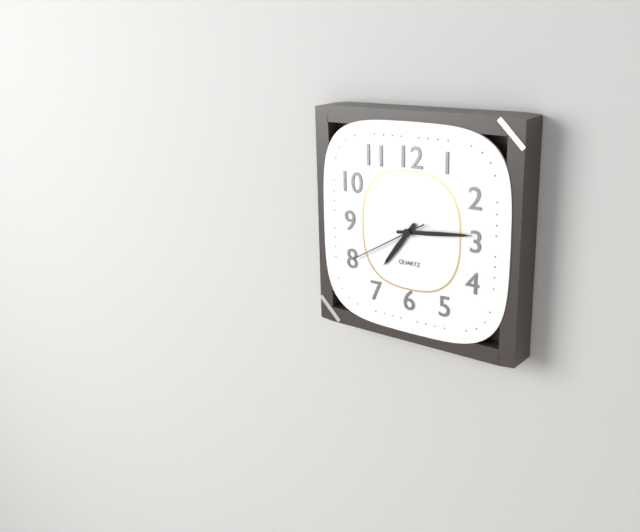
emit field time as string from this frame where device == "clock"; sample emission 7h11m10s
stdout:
7h14m40s
